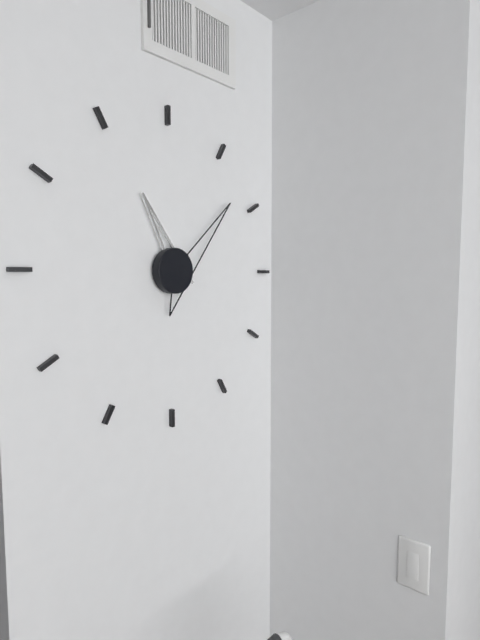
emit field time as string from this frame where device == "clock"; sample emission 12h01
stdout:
11h08
